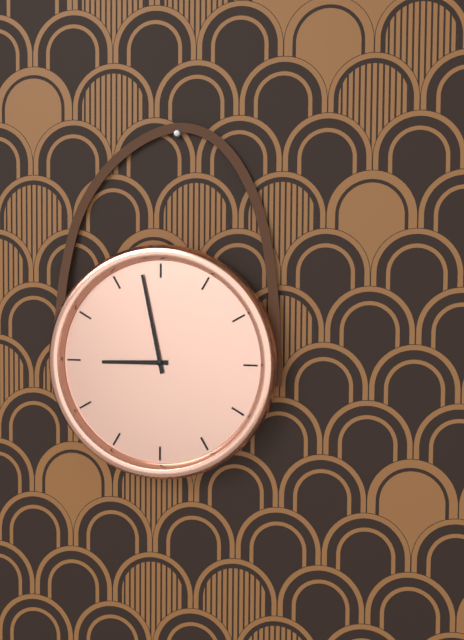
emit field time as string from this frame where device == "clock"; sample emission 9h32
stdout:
8h58
